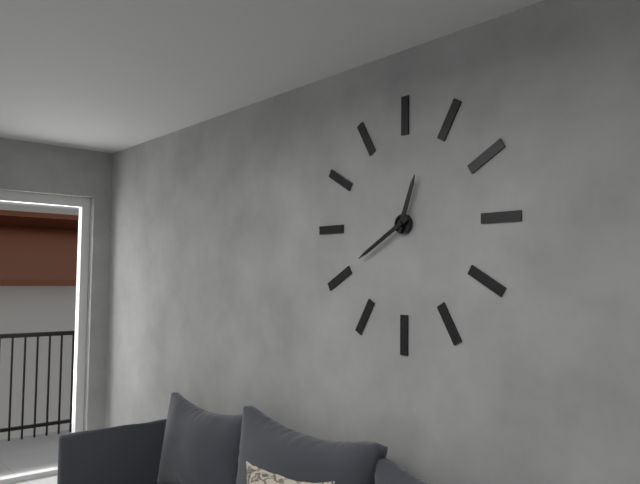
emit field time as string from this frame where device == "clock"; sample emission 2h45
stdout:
12h40
